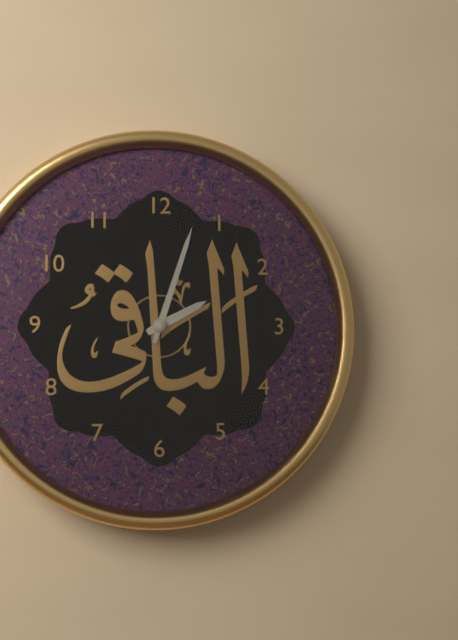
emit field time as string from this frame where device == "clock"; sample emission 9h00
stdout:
2h03
